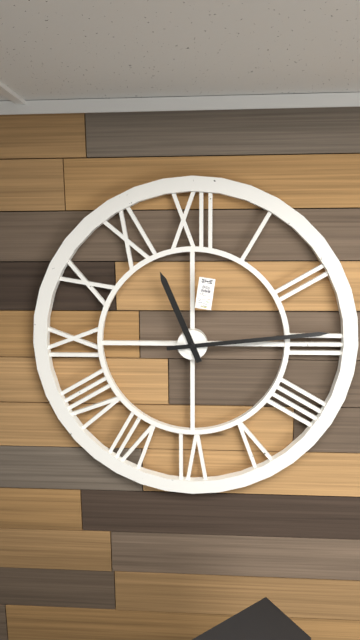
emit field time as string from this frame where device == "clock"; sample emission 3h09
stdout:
11h14
